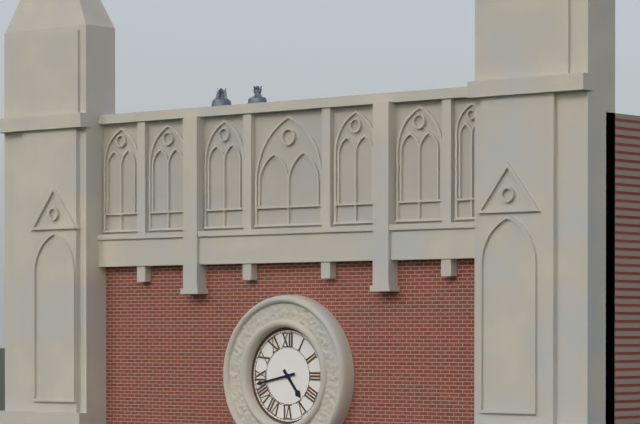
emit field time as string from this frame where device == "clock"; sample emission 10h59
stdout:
4h43
